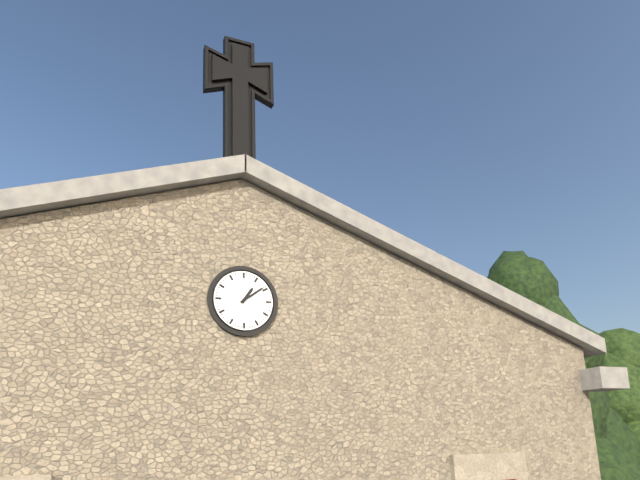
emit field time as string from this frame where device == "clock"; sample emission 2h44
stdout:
1h09
